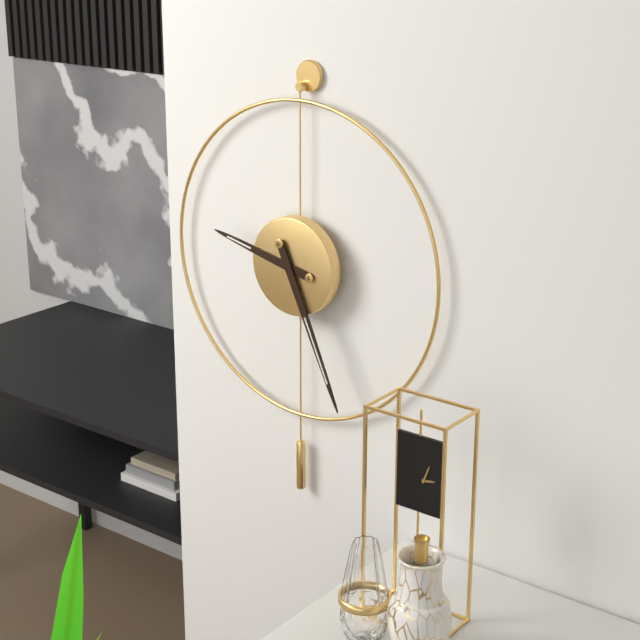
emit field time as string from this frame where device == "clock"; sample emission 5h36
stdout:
9h26
